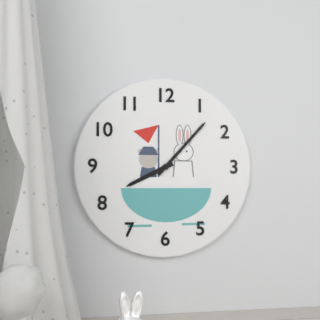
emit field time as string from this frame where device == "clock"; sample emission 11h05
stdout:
8h07
